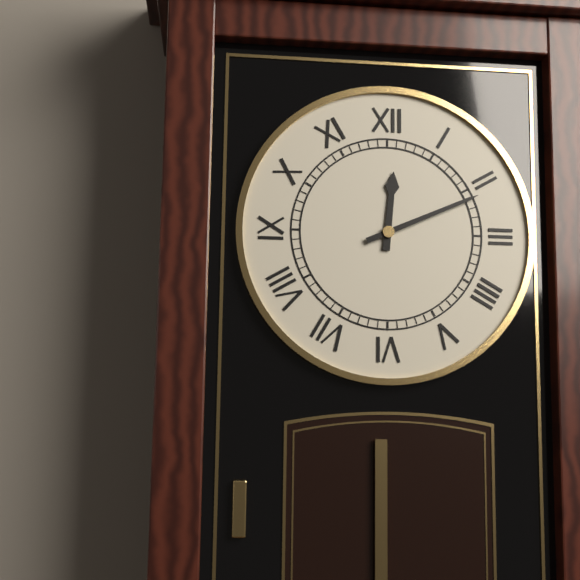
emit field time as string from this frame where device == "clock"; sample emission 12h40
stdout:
12h11
